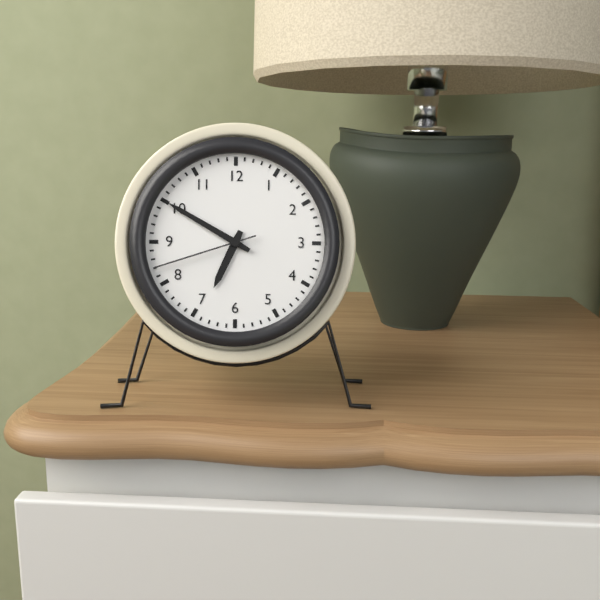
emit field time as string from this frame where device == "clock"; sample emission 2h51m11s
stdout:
6h50m42s
